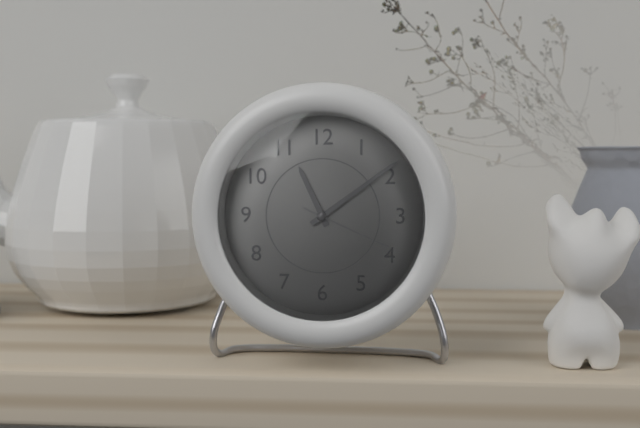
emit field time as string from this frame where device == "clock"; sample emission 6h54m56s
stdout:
11h09m19s
